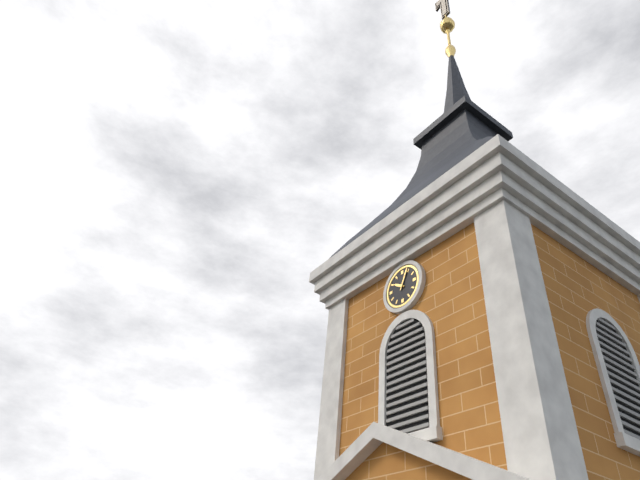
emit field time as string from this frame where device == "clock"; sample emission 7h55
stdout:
10h04
